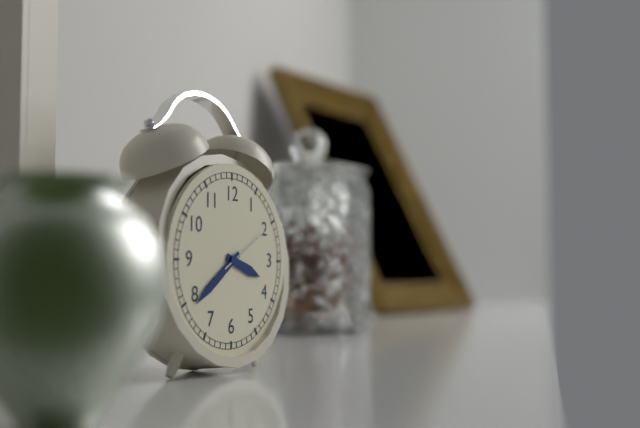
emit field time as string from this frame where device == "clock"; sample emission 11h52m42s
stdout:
3h39m10s
